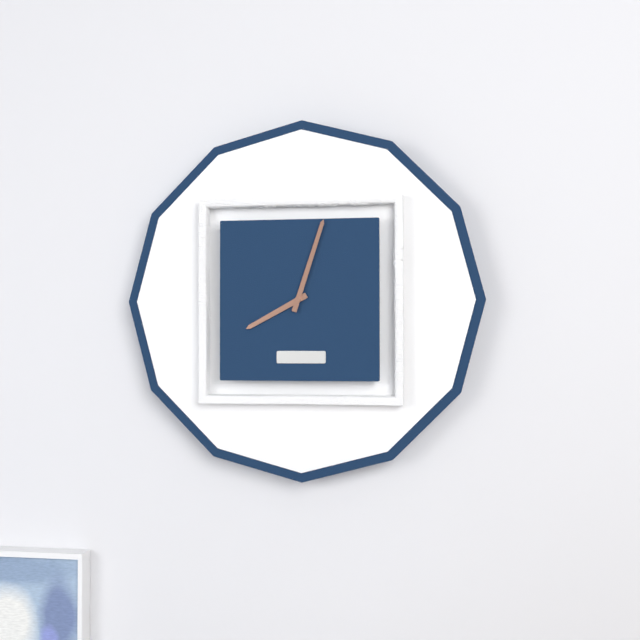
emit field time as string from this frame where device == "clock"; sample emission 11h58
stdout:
8h03
